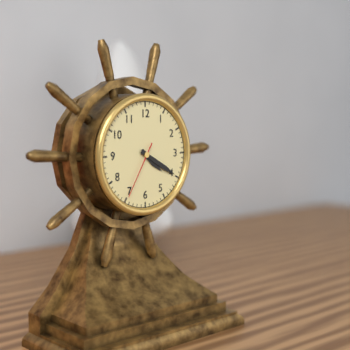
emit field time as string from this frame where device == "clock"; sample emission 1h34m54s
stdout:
4h20m35s
